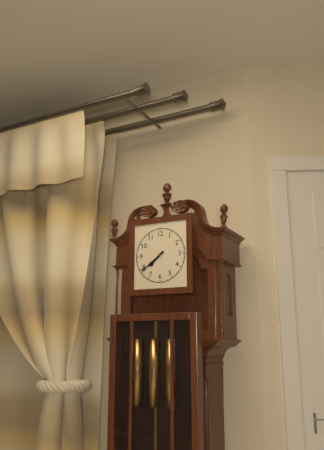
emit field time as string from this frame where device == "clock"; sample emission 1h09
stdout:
7h39
